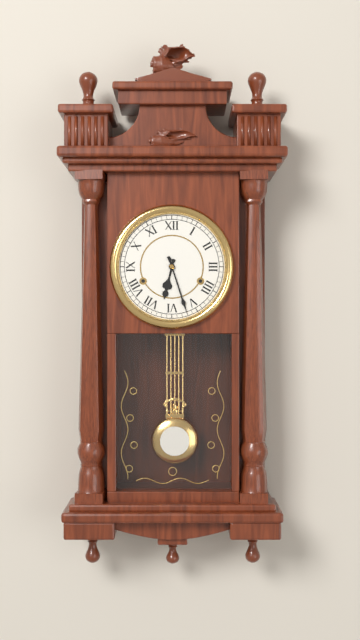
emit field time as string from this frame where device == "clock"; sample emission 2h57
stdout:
6h27
